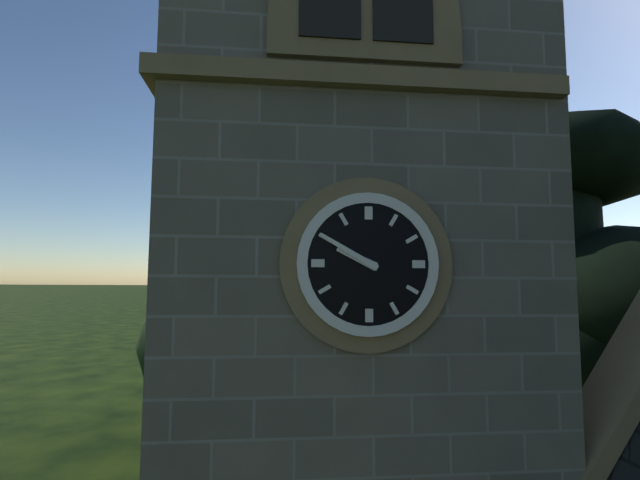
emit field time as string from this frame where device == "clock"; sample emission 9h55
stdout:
9h50
